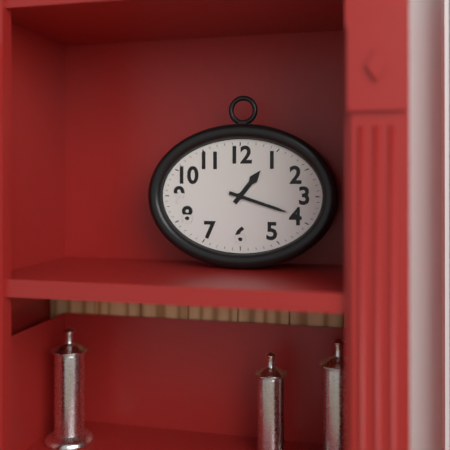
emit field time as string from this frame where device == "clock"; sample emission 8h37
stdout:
1h18
